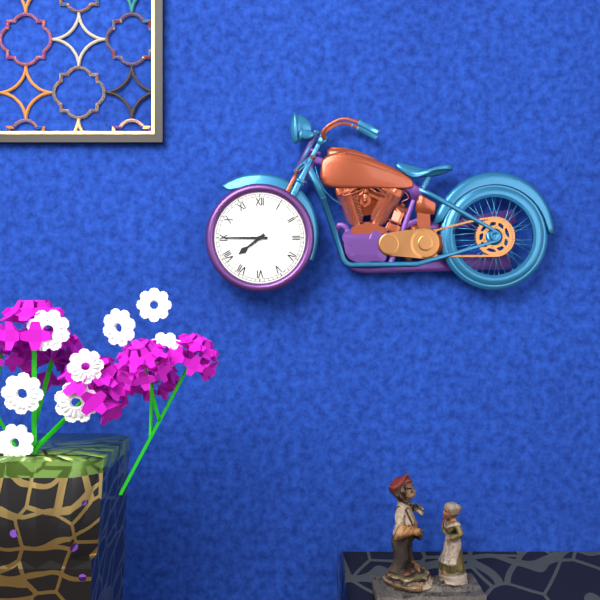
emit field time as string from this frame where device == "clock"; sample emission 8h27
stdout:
7h45
